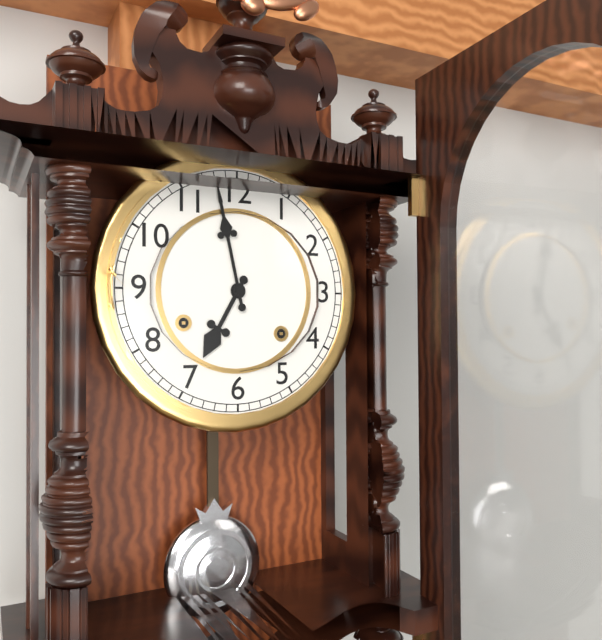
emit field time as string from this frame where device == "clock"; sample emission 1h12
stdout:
6h58
